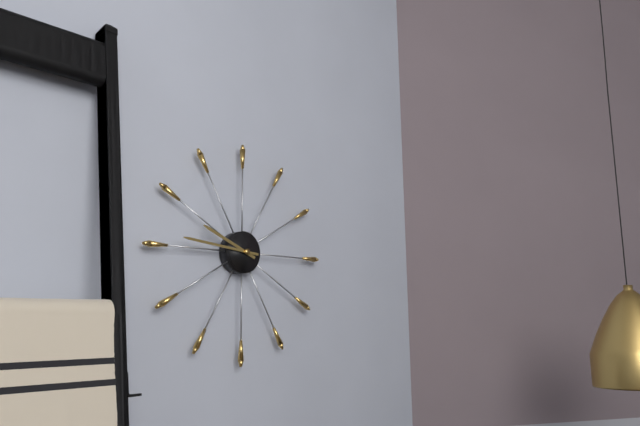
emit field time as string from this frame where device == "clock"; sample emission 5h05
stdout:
9h46
